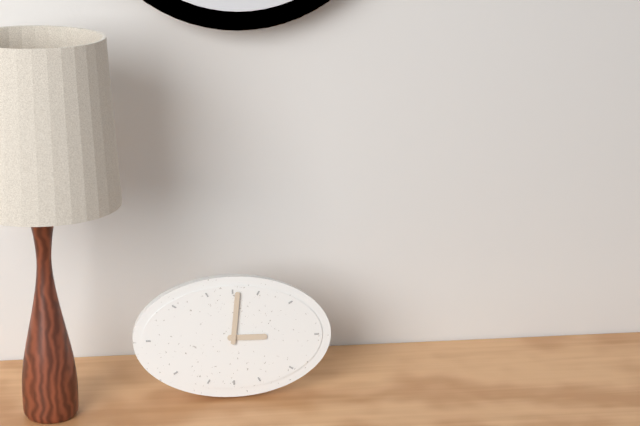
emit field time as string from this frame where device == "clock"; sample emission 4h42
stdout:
3h01
